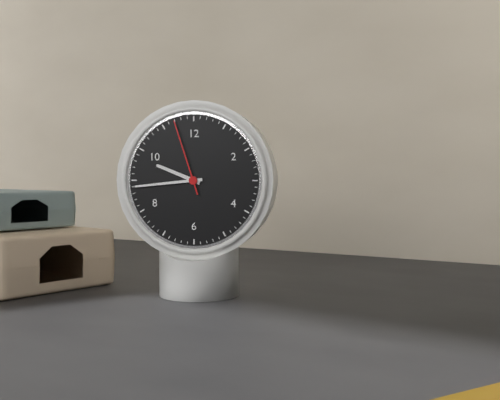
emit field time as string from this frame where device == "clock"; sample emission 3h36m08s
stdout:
9h44m57s
